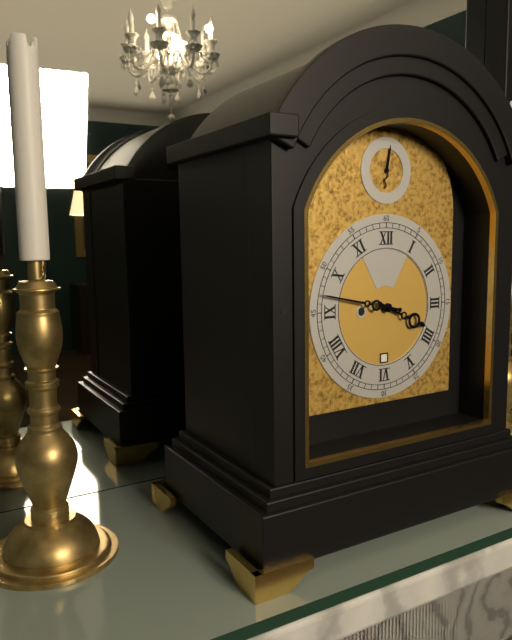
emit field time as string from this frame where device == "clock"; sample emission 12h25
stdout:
3h47
